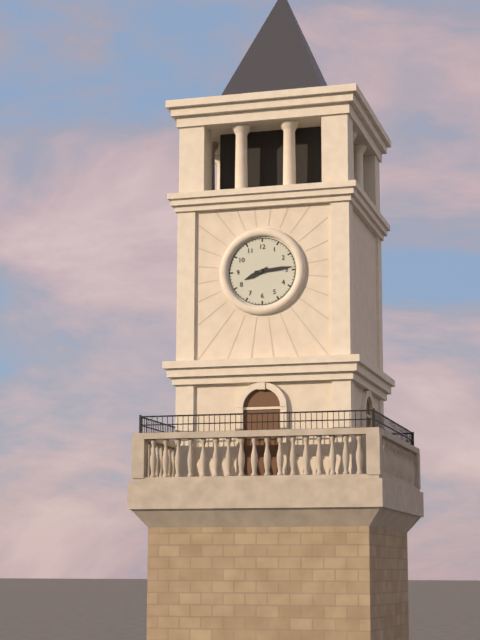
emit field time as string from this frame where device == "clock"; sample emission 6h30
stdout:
8h14
